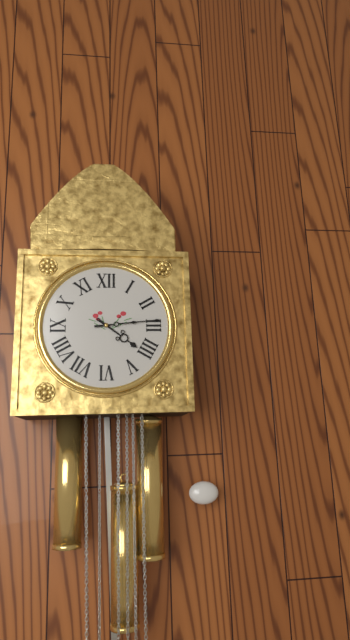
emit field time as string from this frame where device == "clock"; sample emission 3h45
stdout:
4h14
